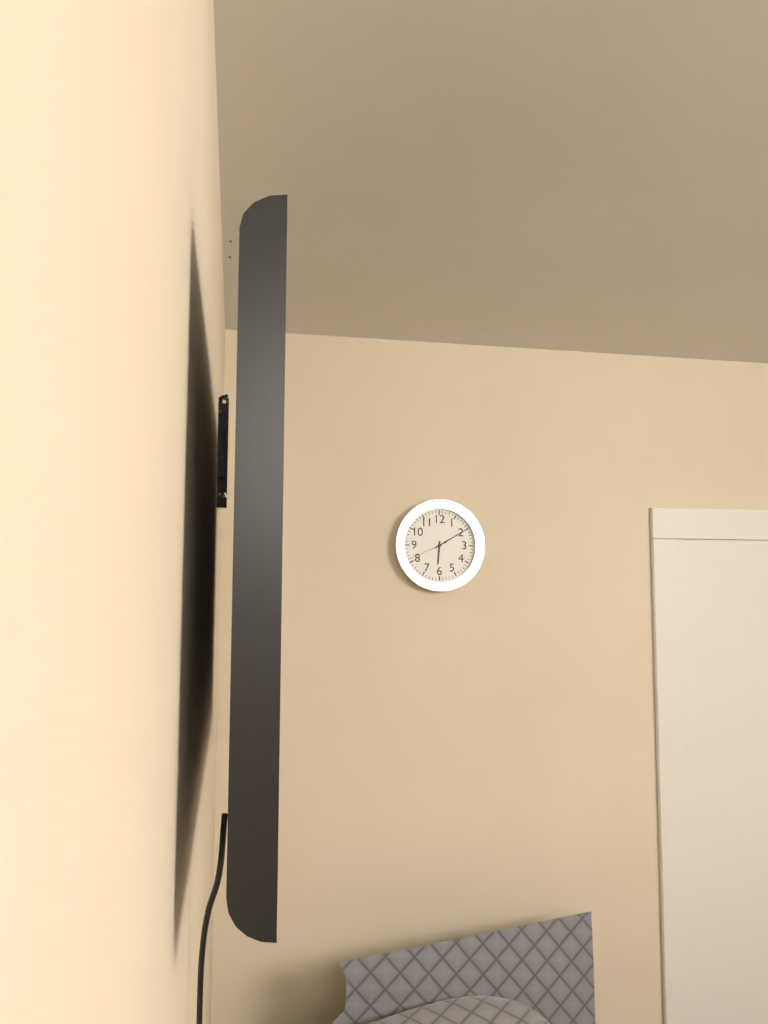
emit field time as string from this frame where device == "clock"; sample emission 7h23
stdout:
6h10
